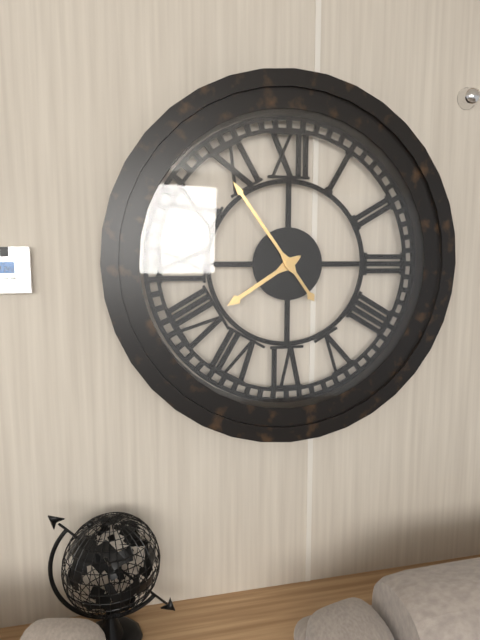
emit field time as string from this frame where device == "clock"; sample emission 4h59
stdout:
7h54
